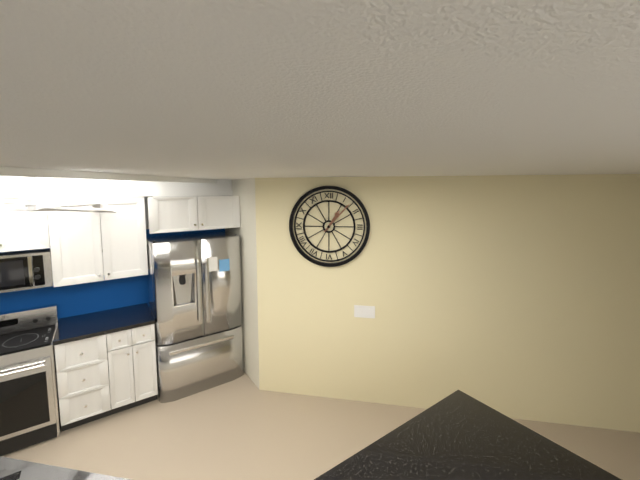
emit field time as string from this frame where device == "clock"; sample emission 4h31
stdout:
1h07
